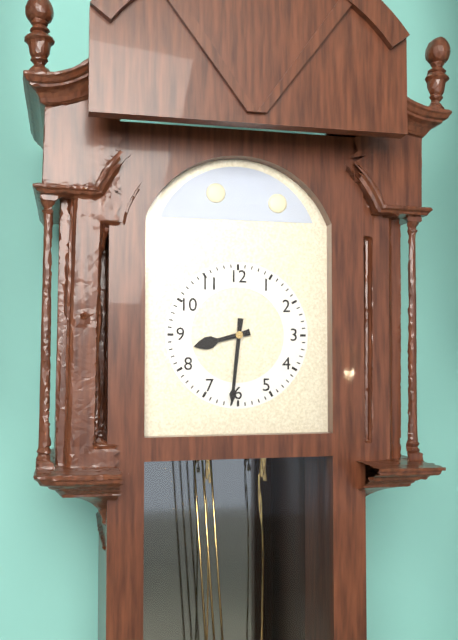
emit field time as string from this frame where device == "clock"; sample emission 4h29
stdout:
8h31
